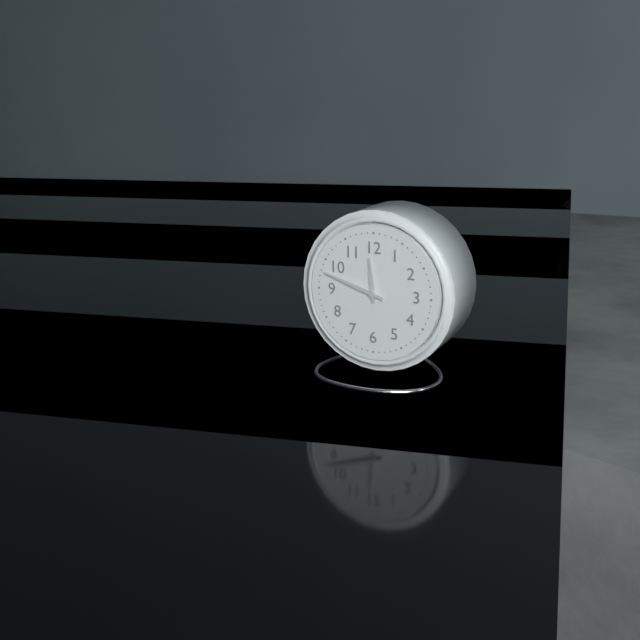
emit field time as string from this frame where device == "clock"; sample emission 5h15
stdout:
11h48
